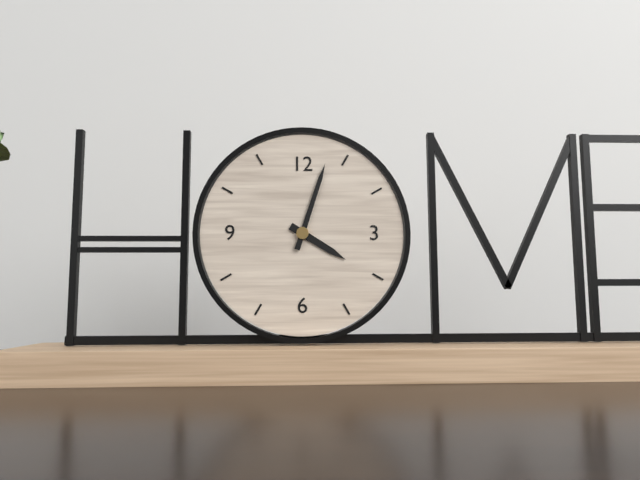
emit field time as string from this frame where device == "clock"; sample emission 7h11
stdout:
4h03
